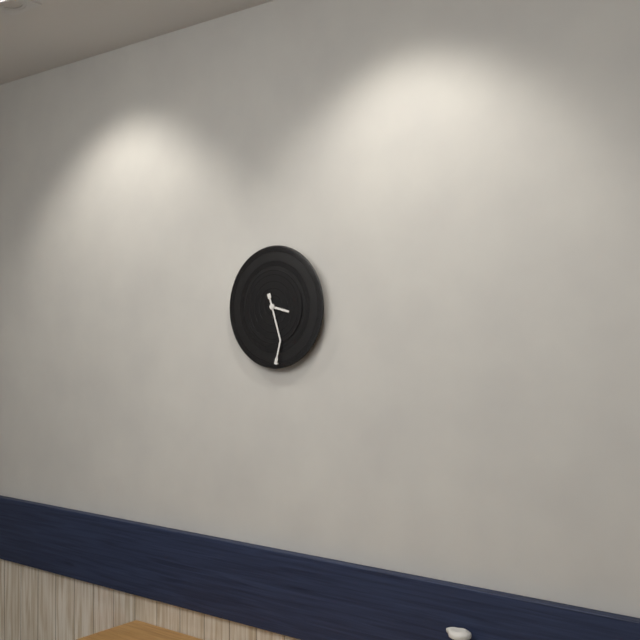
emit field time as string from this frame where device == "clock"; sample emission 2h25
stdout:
3h27
